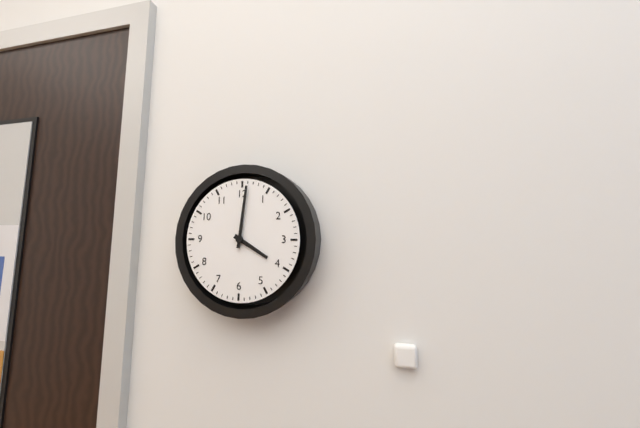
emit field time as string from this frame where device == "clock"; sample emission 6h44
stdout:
4h01
